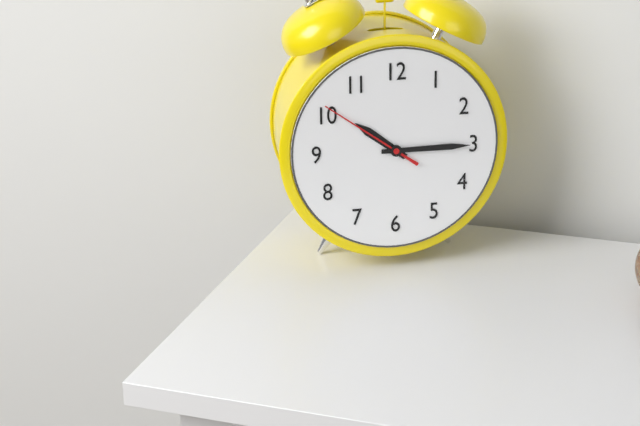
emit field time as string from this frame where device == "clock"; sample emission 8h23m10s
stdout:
10h15m51s
